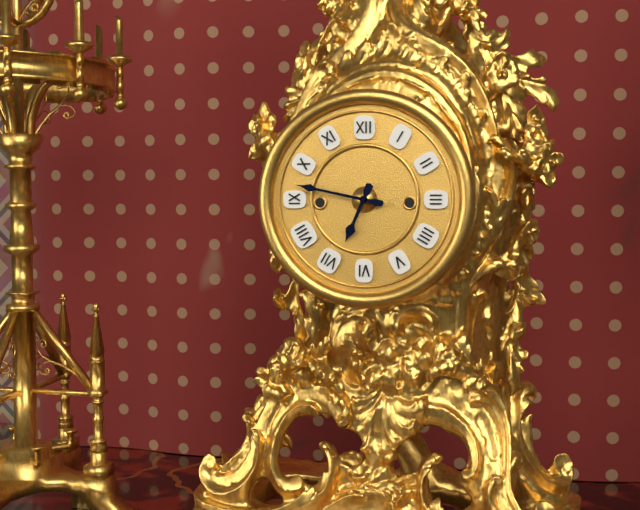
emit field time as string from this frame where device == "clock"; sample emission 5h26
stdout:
6h47
